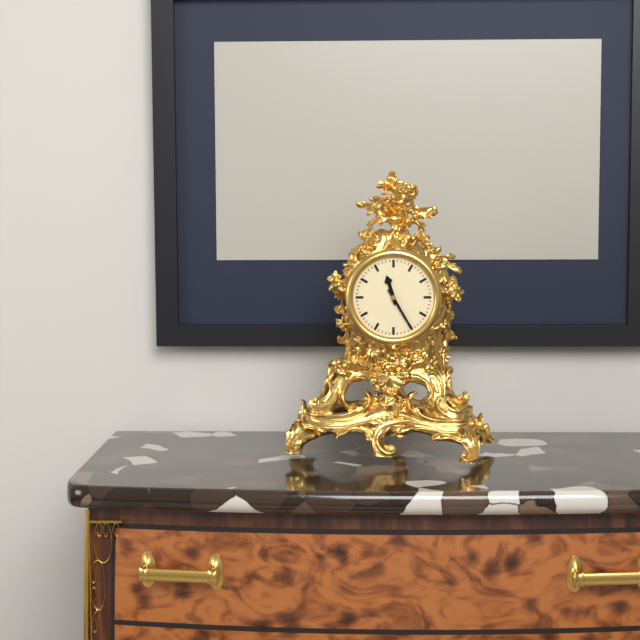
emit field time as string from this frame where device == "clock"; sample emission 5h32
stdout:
11h25
